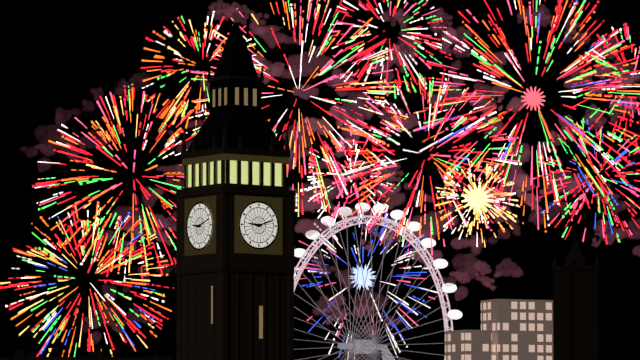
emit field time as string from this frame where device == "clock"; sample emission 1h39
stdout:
9h12
